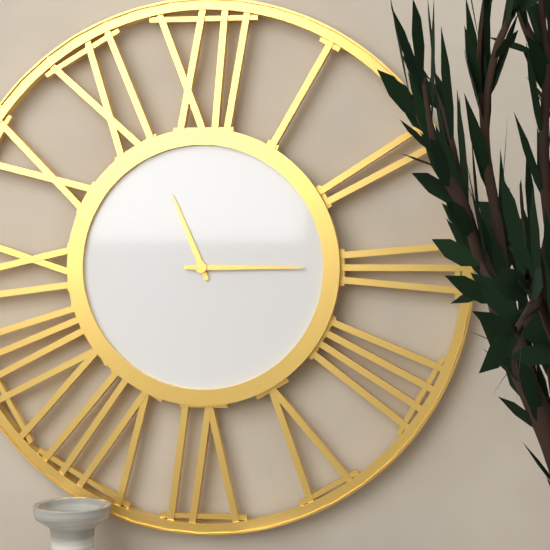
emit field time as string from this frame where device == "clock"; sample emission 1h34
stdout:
11h15
